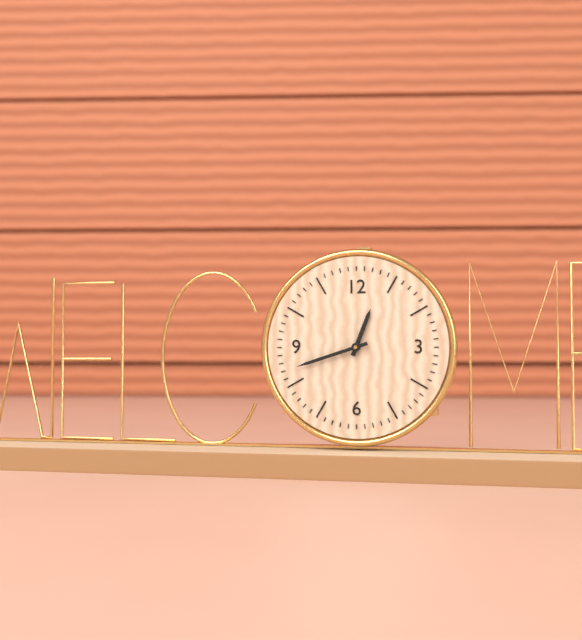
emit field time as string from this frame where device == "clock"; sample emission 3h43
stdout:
12h42
